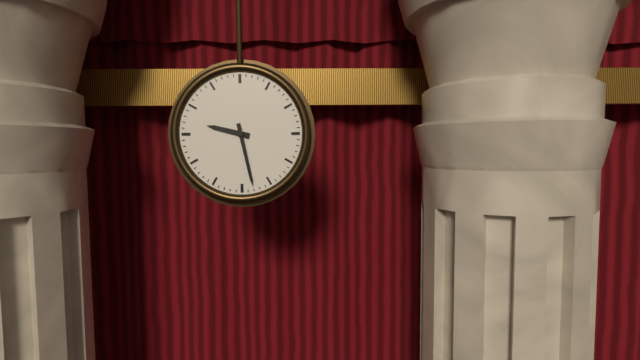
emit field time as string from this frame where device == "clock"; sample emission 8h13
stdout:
9h28
